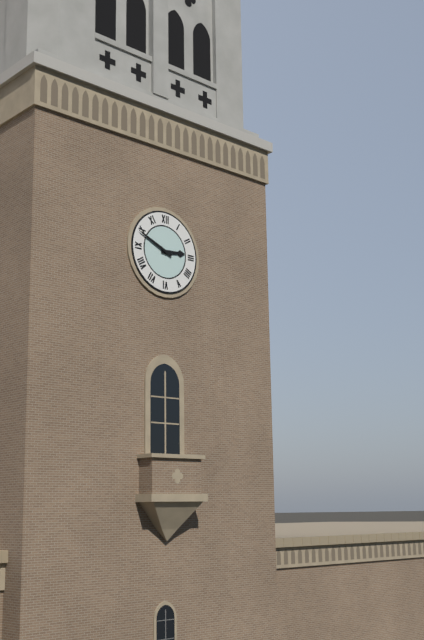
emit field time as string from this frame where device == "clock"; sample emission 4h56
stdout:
2h49
